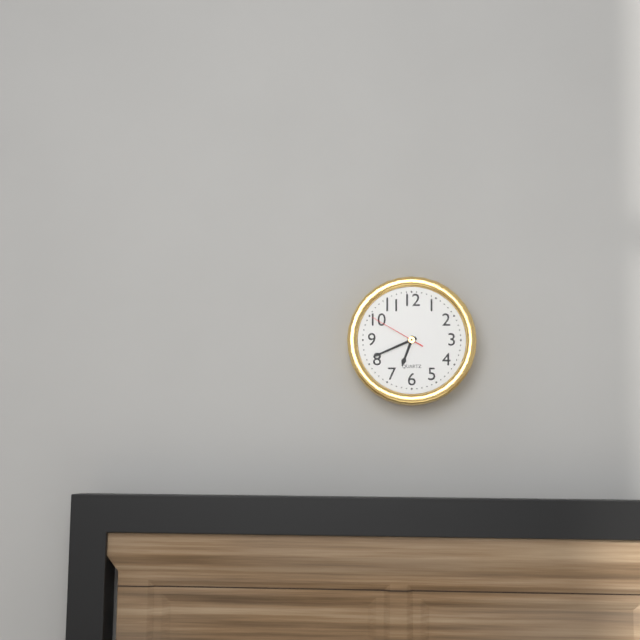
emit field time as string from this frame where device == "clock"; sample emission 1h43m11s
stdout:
6h41m50s
